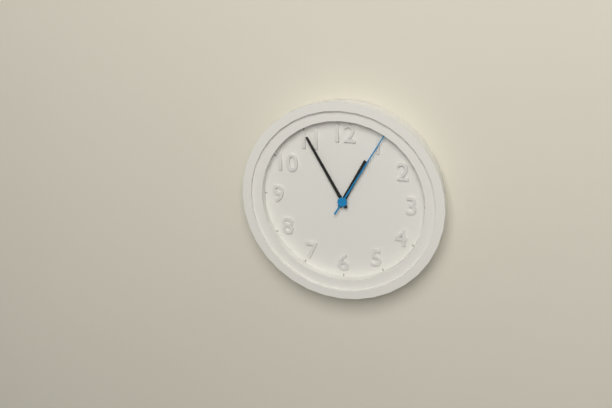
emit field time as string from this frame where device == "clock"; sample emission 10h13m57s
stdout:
12h55m05s
